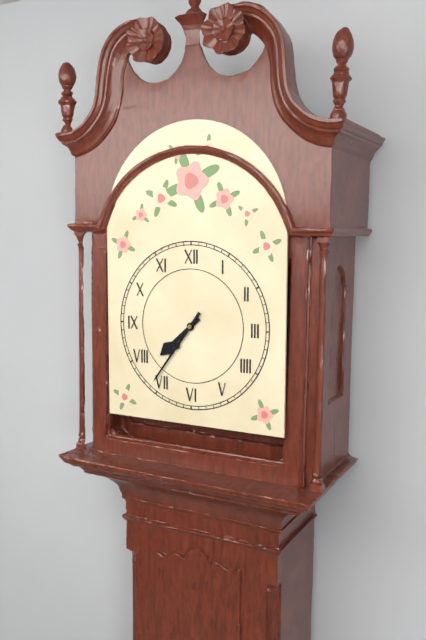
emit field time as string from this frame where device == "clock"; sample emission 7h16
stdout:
7h36
